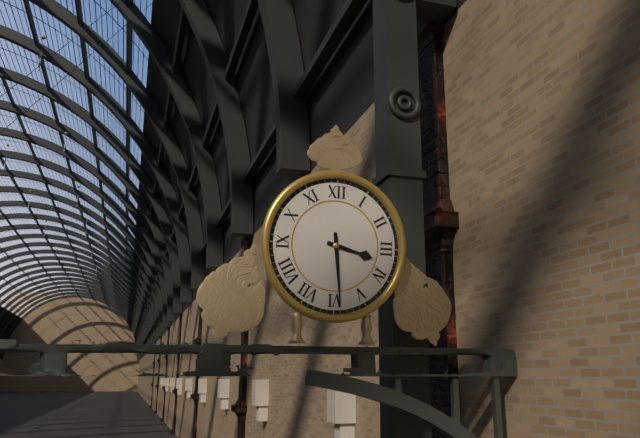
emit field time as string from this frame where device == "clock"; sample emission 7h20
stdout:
3h29
